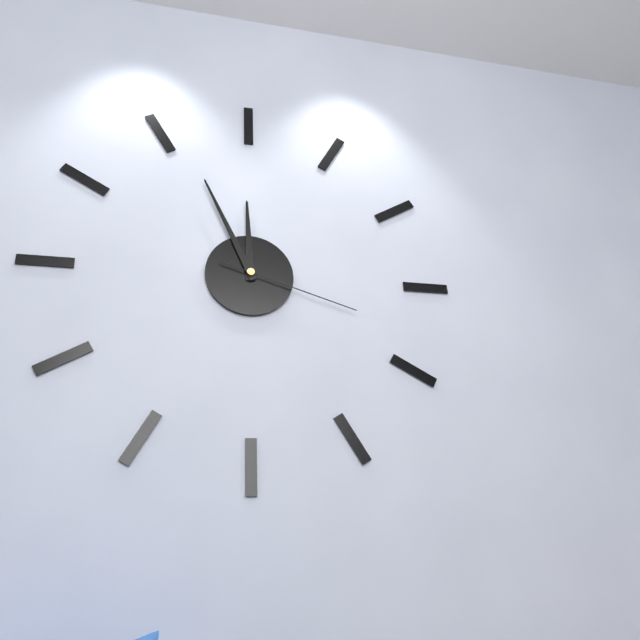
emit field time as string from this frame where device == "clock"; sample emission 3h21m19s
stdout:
11h56m18s
